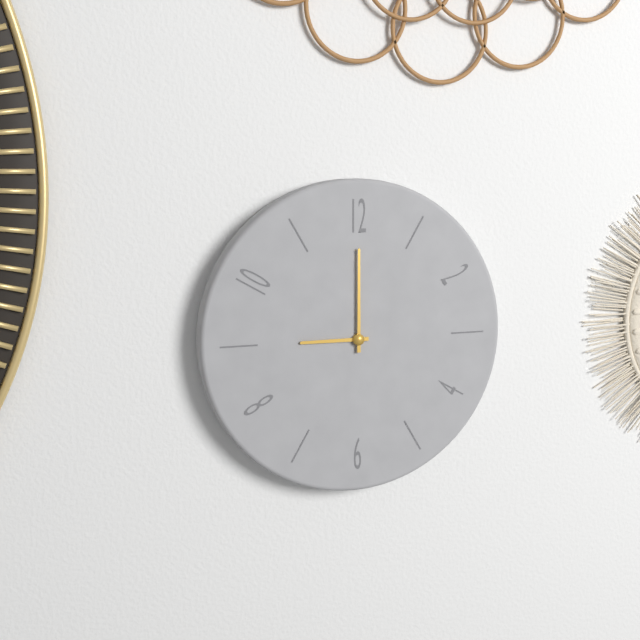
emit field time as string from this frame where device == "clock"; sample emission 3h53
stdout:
9h00
